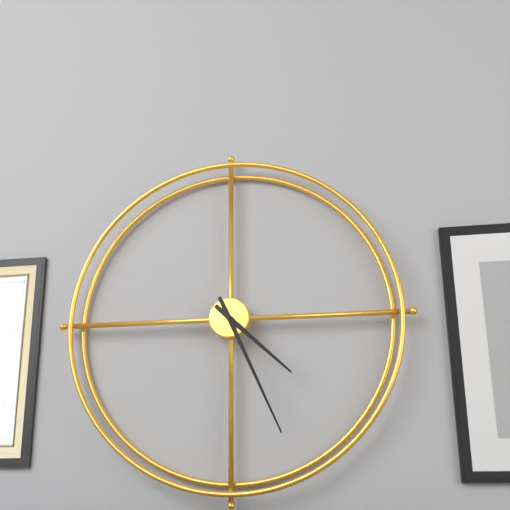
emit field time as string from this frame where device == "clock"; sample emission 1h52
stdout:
4h26
